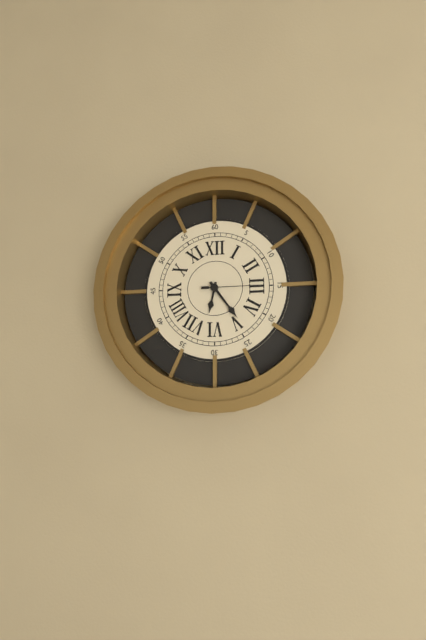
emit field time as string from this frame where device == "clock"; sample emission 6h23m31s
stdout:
6h24m15s
